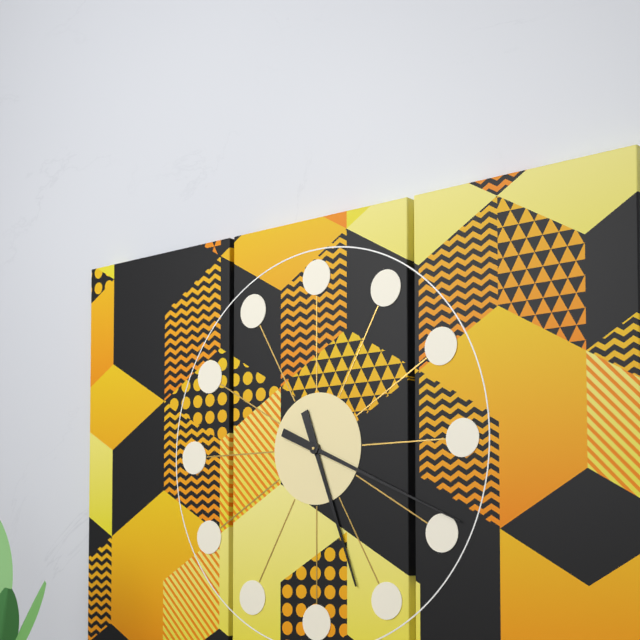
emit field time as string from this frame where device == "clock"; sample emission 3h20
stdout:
5h19
